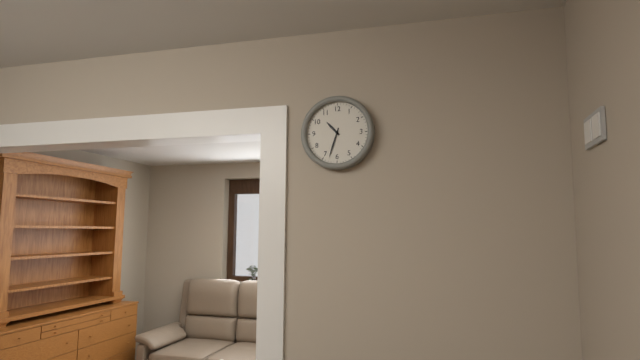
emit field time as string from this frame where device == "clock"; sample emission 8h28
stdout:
10h33
